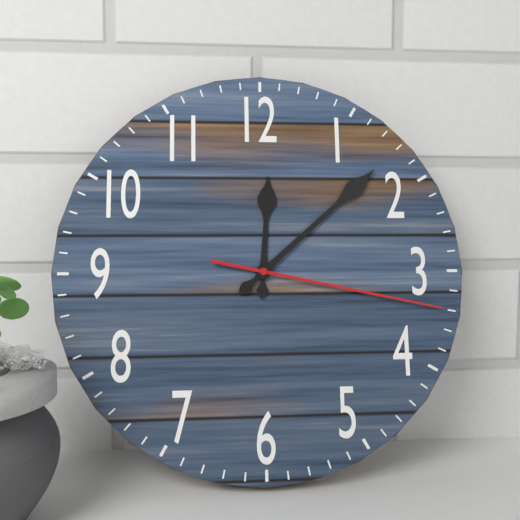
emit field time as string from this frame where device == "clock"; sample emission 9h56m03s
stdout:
12h08m17s
